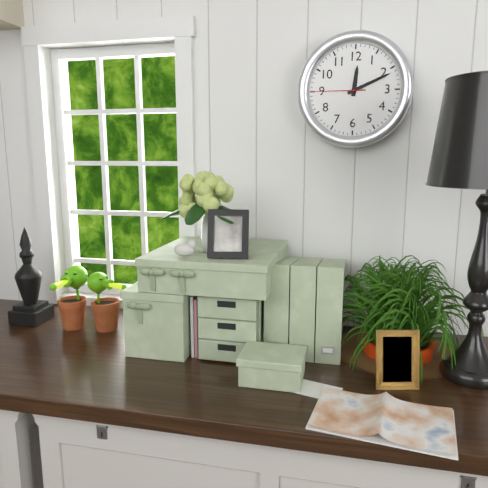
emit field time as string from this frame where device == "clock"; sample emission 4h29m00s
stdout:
12h11m45s
